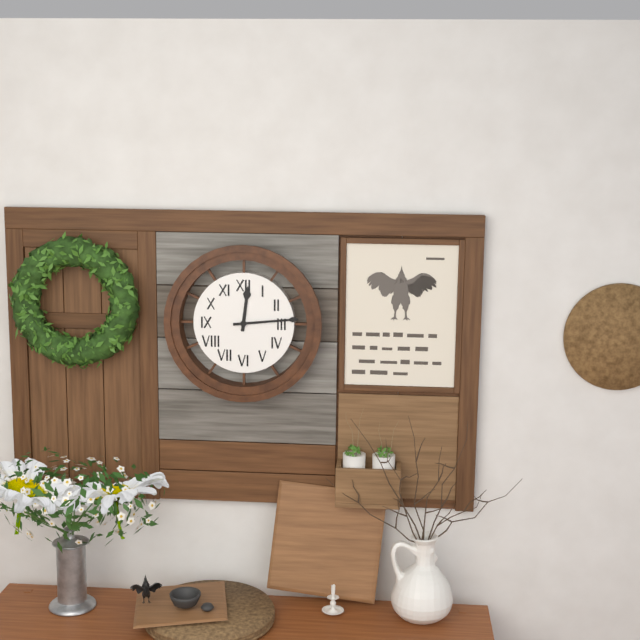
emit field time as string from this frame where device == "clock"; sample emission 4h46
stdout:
12h14
